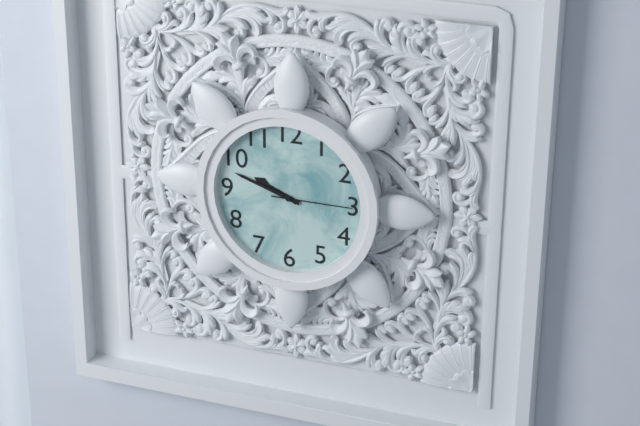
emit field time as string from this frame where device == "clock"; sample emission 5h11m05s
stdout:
9h48m15s
